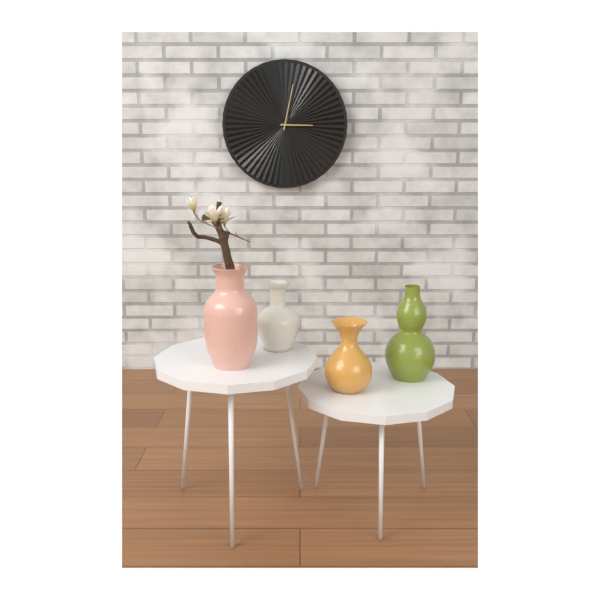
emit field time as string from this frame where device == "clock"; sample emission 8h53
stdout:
3h02
